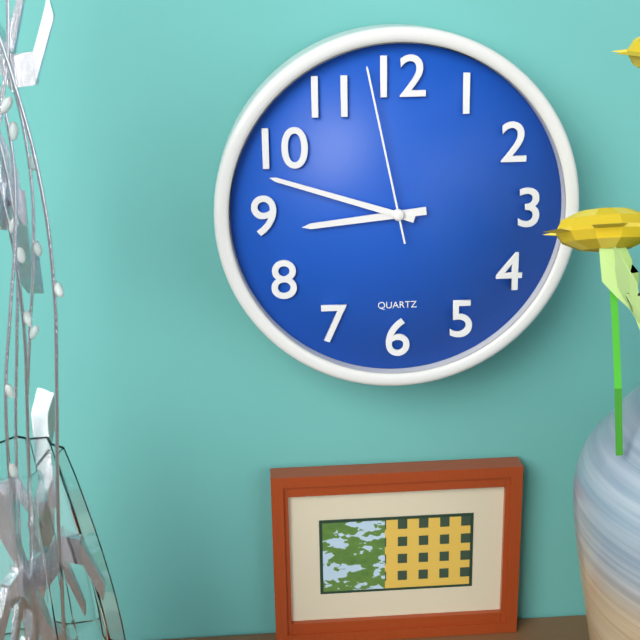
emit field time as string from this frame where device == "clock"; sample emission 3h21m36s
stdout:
8h48m58s
